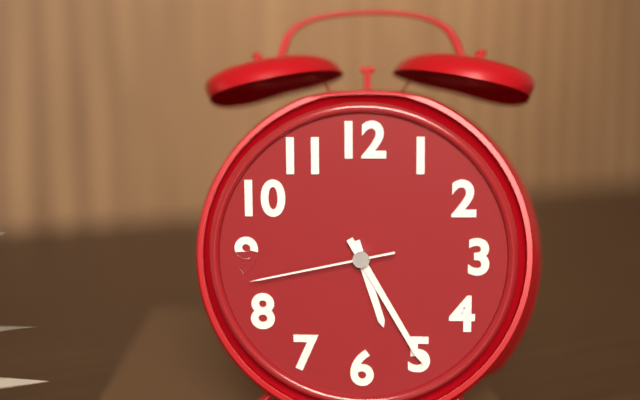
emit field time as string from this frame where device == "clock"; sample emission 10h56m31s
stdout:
5h25m43s
